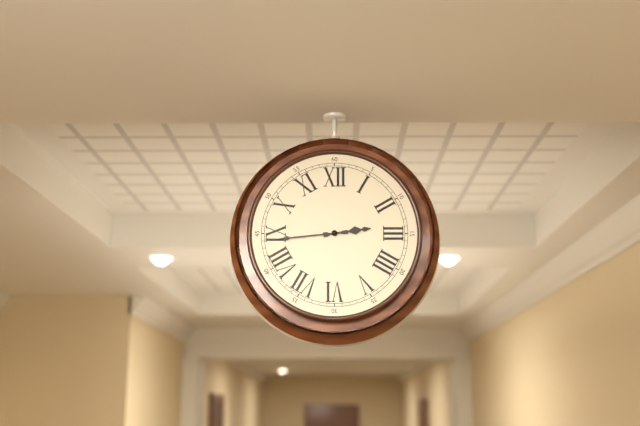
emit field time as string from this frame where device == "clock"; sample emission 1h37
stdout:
2h44
